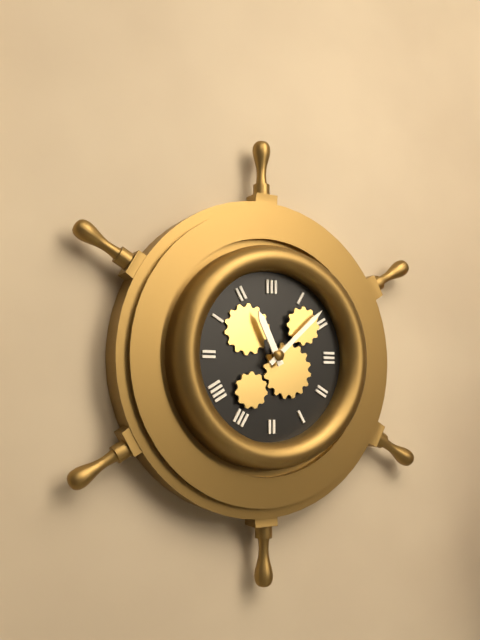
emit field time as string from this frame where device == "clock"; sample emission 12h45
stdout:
11h08
